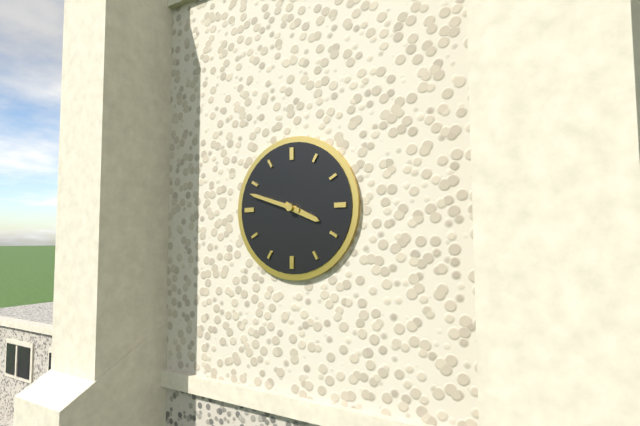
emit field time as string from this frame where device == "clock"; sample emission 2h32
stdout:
3h48
